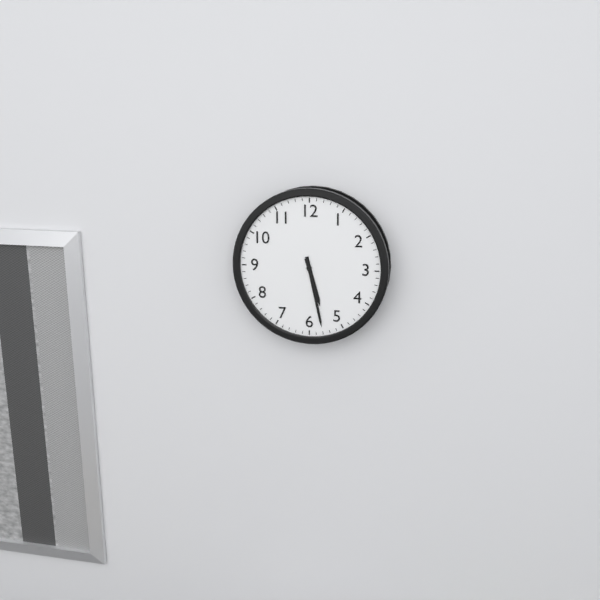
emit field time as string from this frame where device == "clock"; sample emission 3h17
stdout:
5h28
